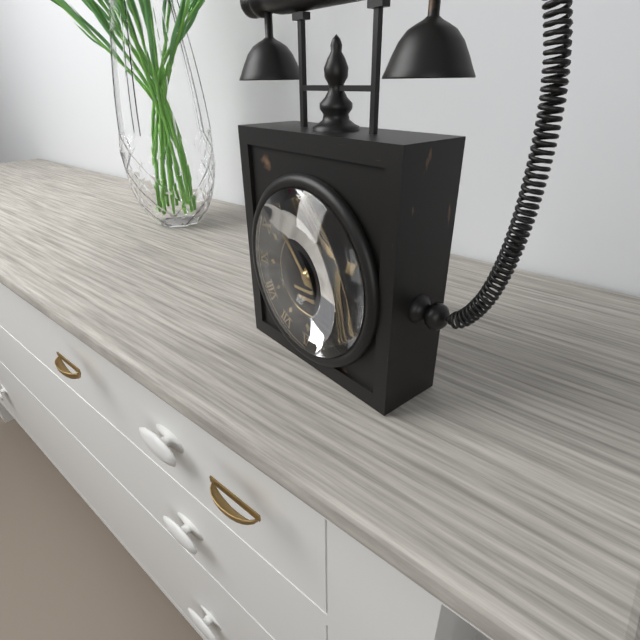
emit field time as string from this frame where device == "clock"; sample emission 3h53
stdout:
11h53
